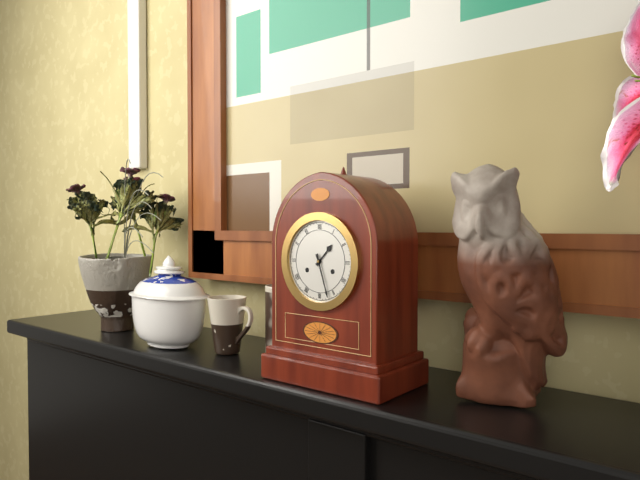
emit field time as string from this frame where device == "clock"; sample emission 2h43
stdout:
1h27
